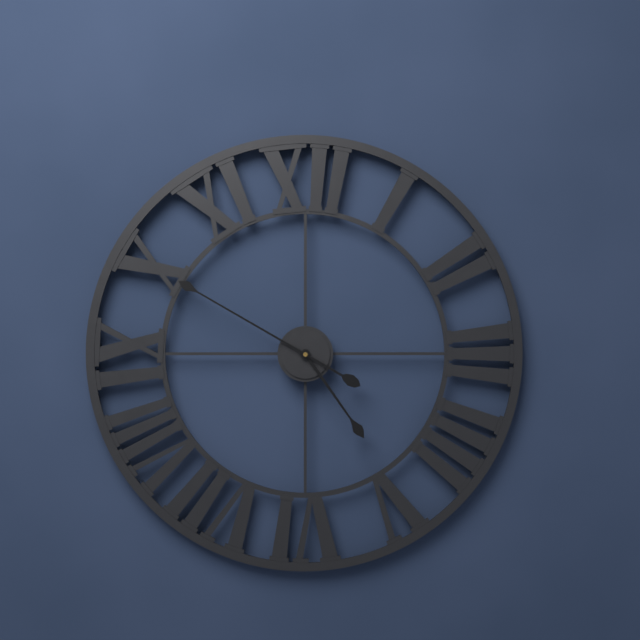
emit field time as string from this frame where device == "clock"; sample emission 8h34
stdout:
4h50
